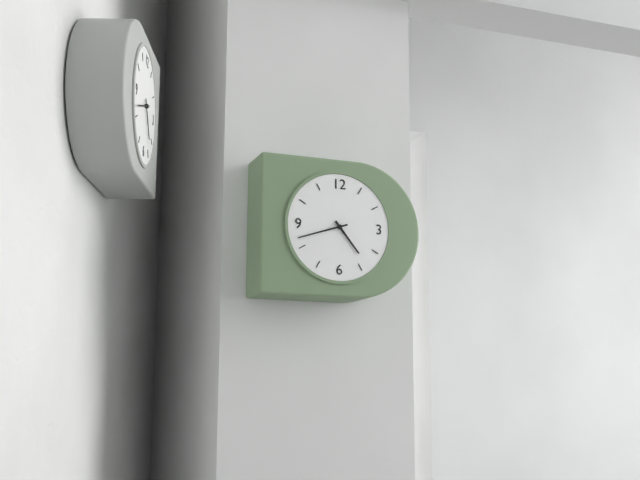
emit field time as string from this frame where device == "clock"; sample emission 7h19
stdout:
4h42
